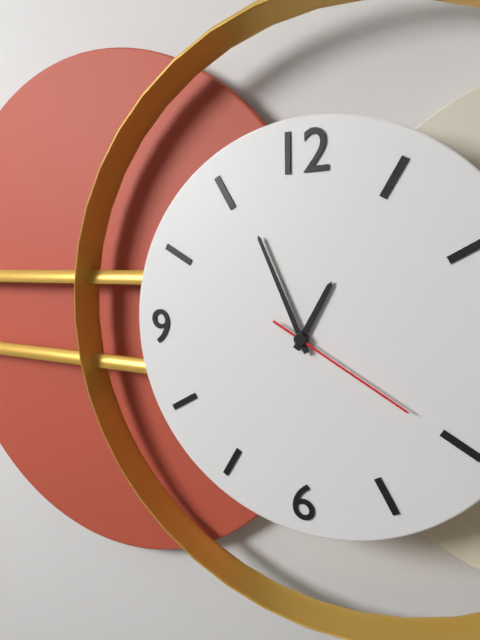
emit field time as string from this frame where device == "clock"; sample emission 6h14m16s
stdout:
12h56m20s
